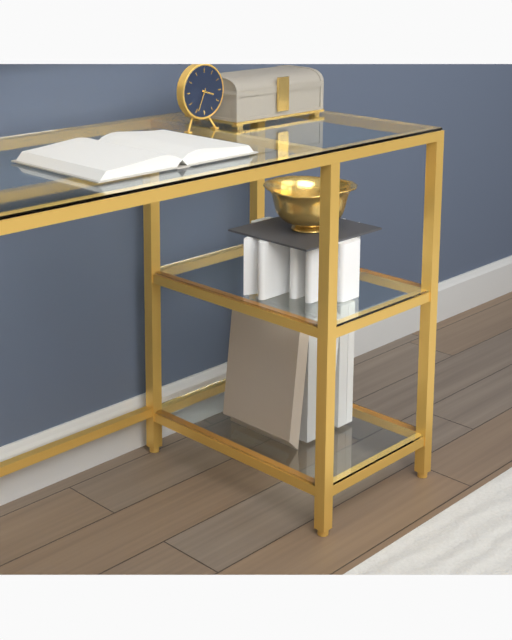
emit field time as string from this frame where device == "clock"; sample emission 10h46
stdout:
3h34
